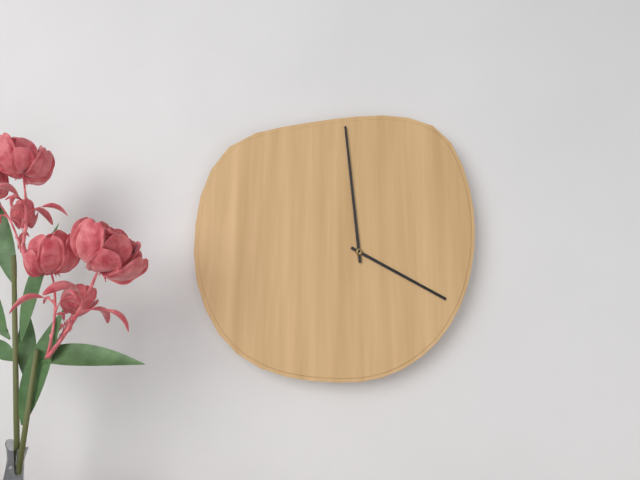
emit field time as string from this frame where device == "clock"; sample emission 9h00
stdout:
3h59
